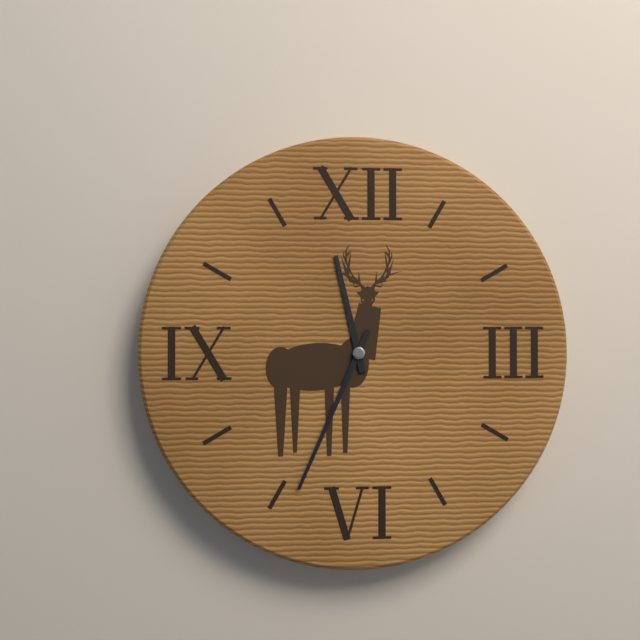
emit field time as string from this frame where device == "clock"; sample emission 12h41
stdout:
11h34
